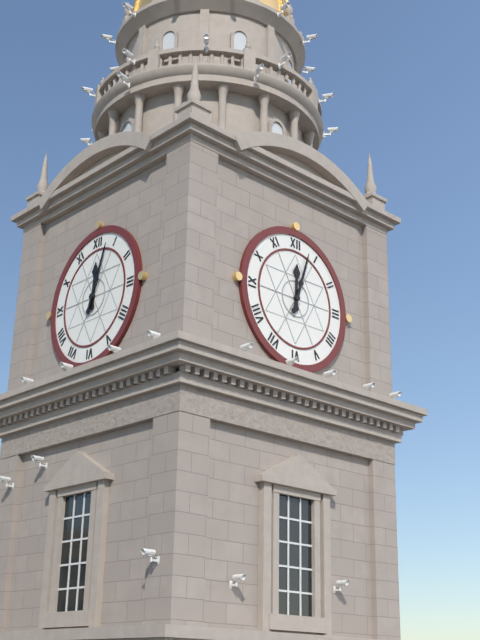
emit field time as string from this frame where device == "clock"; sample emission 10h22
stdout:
12h03
